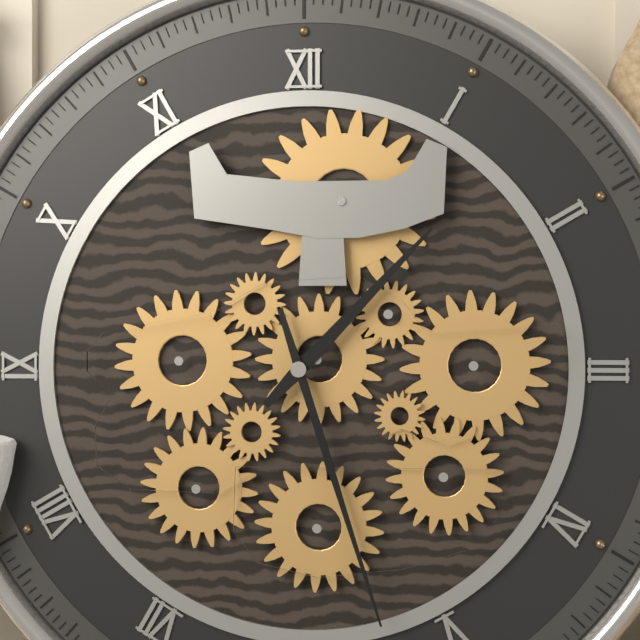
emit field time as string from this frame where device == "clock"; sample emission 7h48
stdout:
1h27
